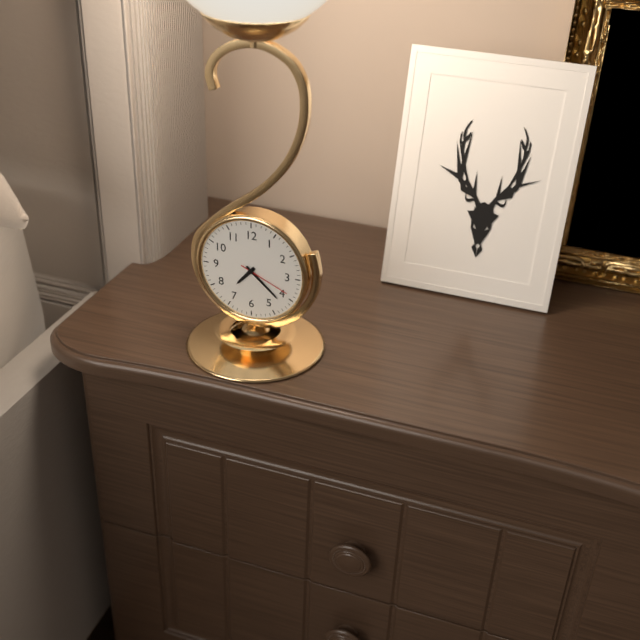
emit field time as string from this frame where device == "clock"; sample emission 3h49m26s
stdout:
7h22m19s
